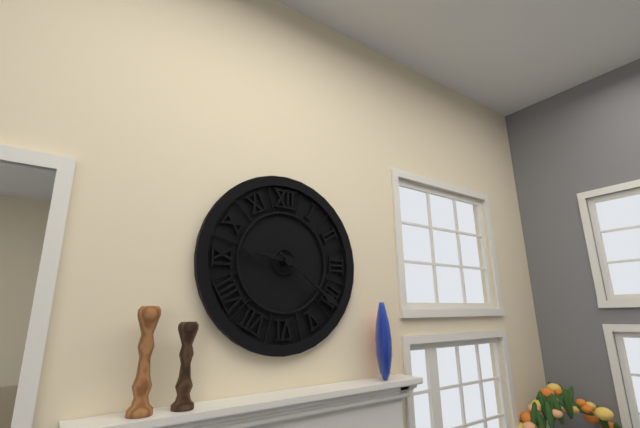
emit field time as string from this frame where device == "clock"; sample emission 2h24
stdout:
9h21
